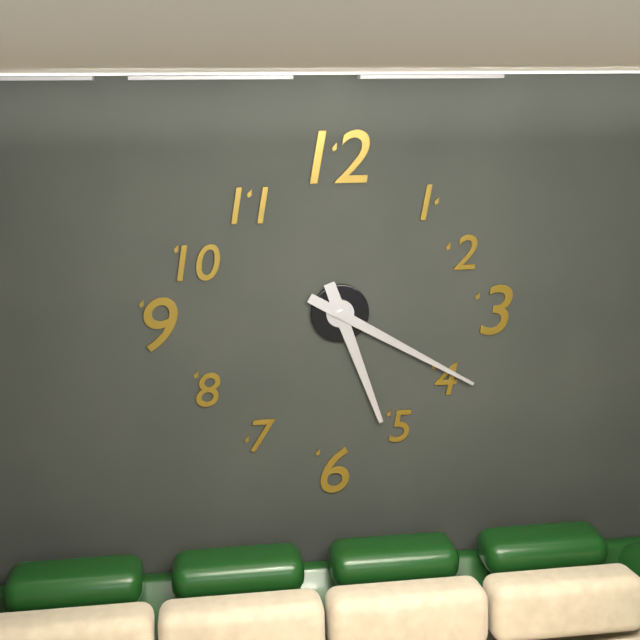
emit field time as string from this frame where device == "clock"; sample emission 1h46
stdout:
5h20
